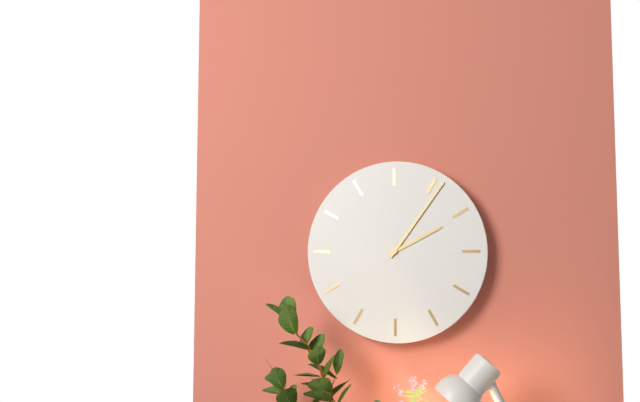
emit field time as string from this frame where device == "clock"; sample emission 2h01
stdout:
2h06
